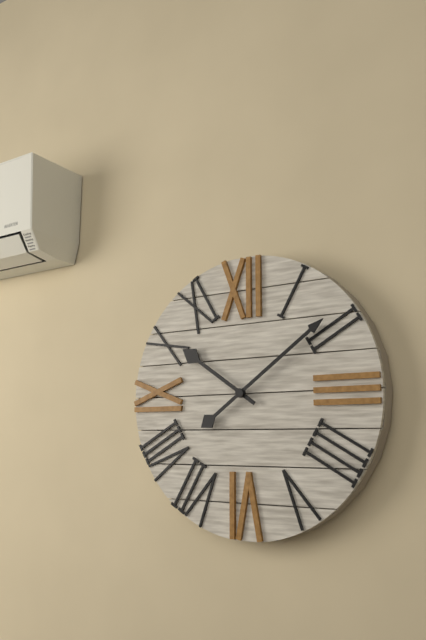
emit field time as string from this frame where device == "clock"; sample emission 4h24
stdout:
10h09
